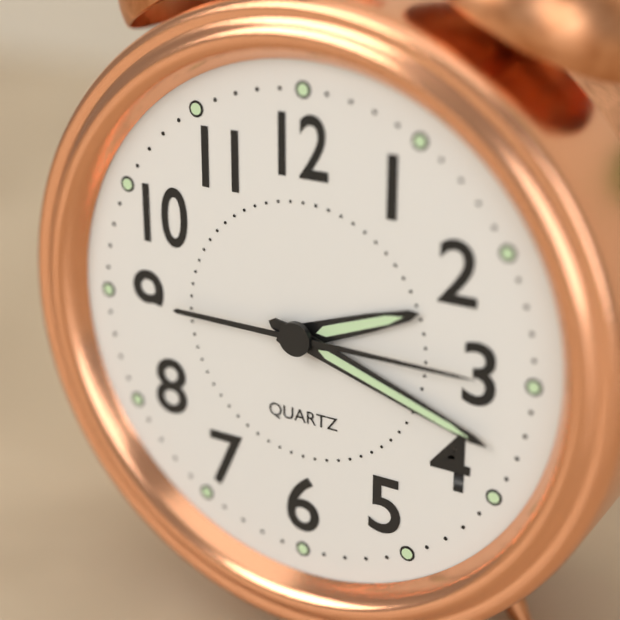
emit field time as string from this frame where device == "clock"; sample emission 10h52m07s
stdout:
2h18m15s
